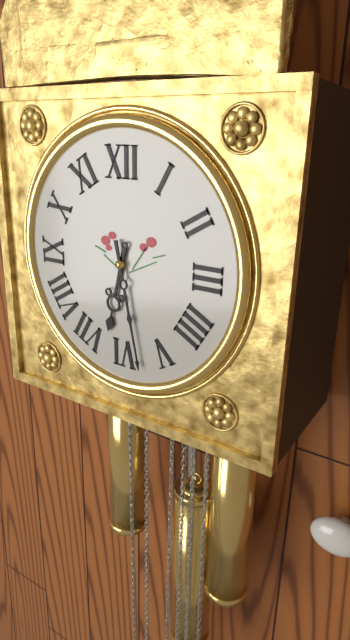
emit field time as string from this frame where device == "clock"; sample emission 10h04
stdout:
6h28
